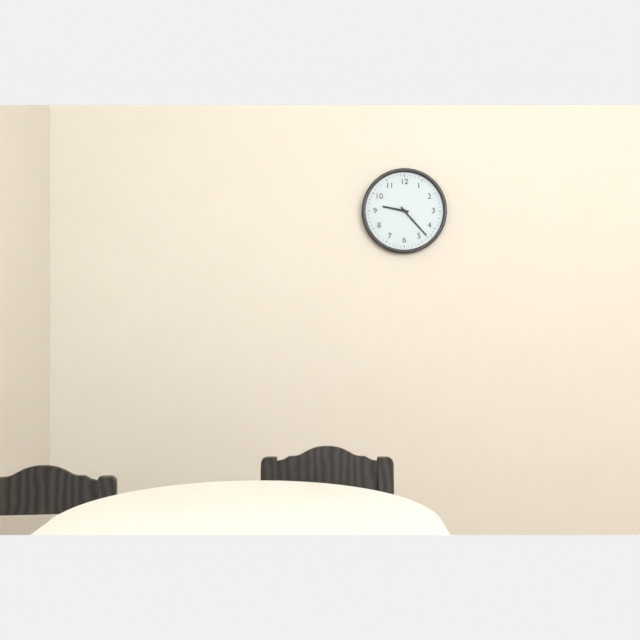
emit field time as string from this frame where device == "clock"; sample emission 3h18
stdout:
9h23
